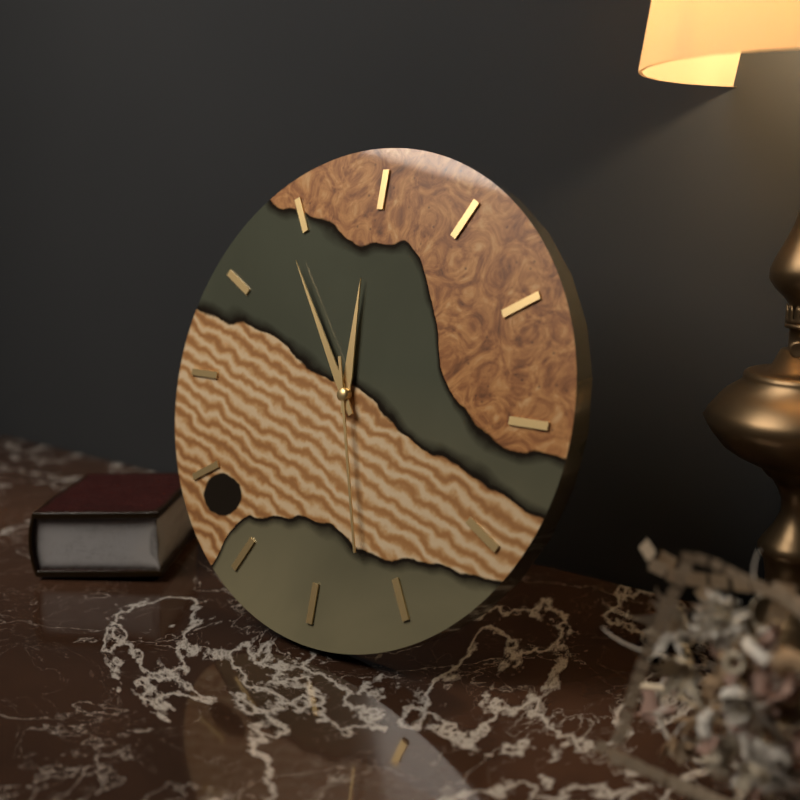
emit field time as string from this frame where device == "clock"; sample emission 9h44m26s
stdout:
11h54m27s
